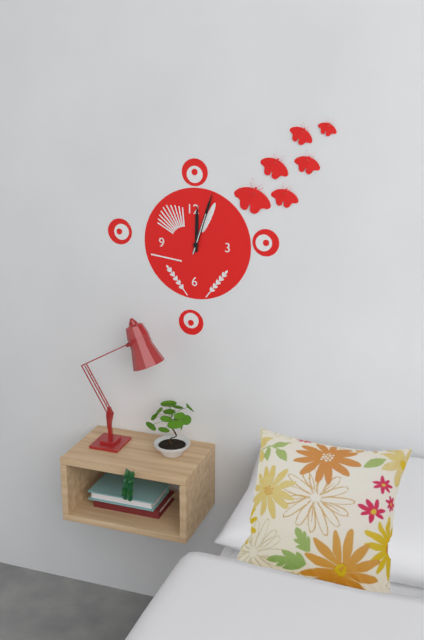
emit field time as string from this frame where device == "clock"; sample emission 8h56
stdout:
12h03
